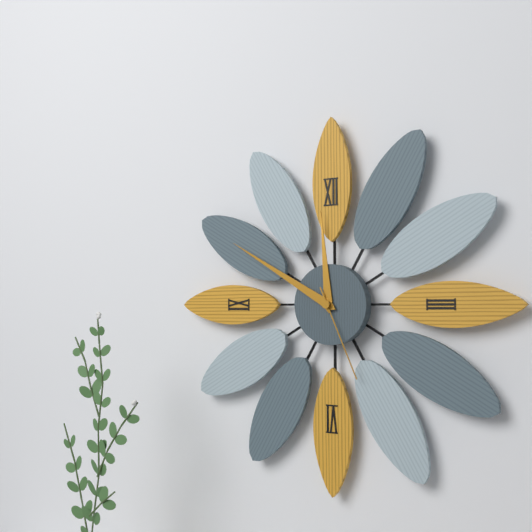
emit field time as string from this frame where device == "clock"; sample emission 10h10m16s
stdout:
11h50m26s
